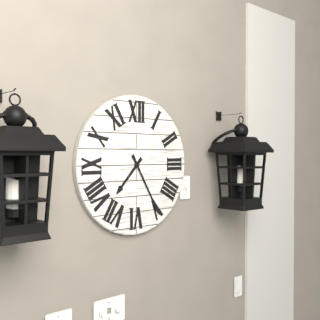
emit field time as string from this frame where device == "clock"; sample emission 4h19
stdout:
7h25
